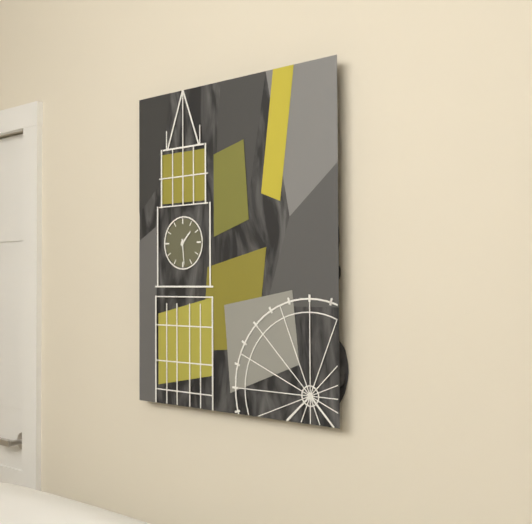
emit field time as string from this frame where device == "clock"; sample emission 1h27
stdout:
1h29
